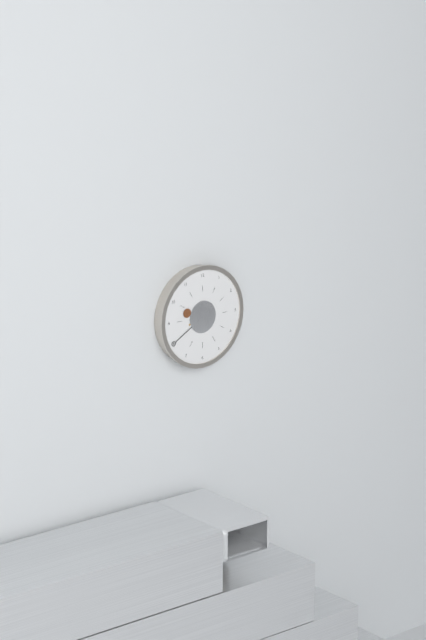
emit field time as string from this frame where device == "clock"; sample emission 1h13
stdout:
9h40
